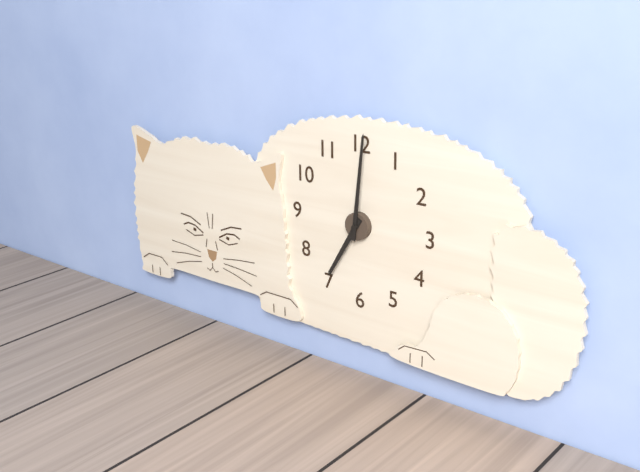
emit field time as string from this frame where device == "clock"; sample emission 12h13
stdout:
7h01
